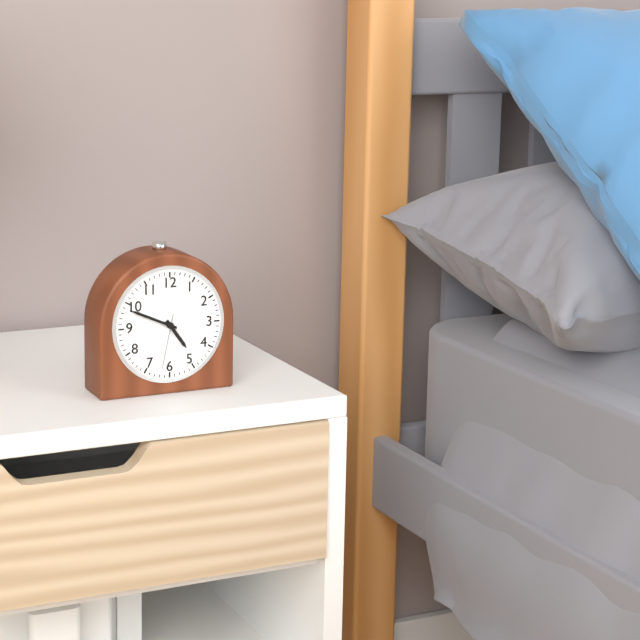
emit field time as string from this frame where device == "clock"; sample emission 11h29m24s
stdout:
4h49m32s
